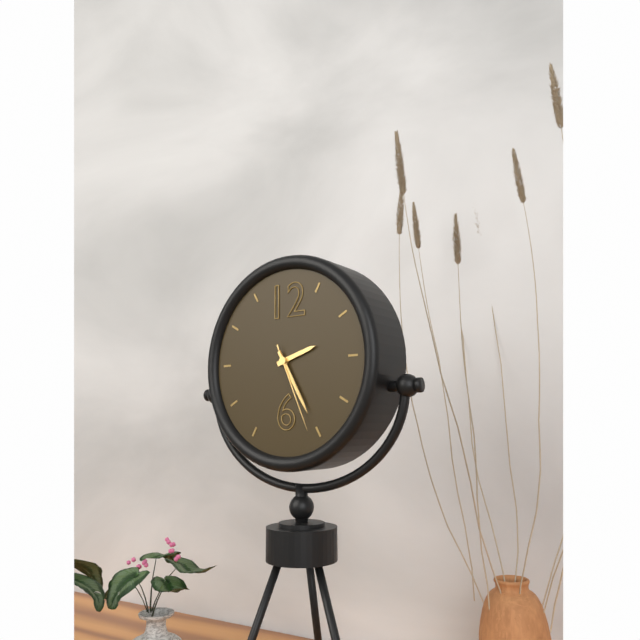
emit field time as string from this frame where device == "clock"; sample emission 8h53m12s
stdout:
2h25m26s
